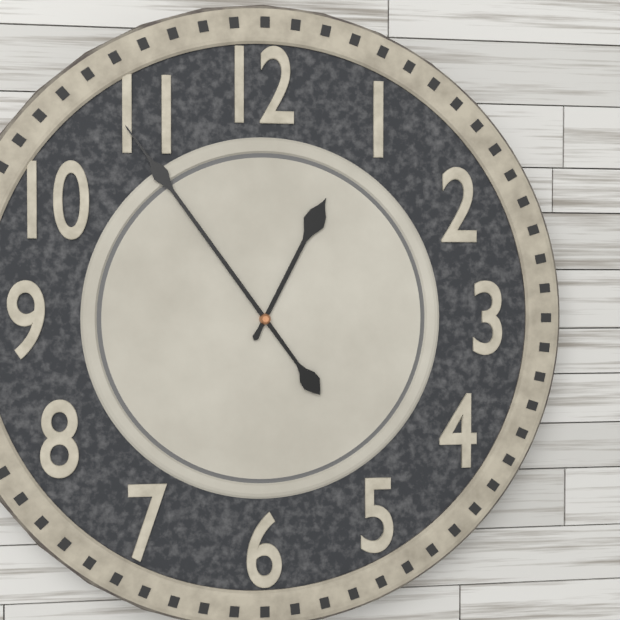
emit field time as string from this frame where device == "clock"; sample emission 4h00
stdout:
12h54
